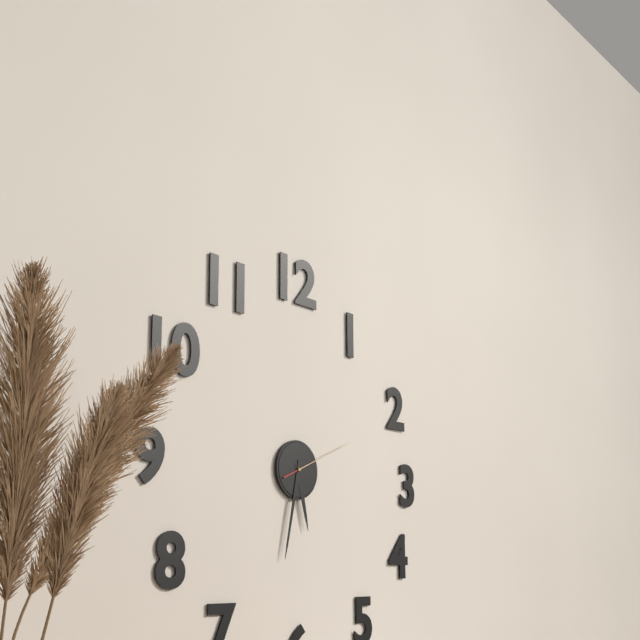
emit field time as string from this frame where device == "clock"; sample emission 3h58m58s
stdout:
5h32m11s
